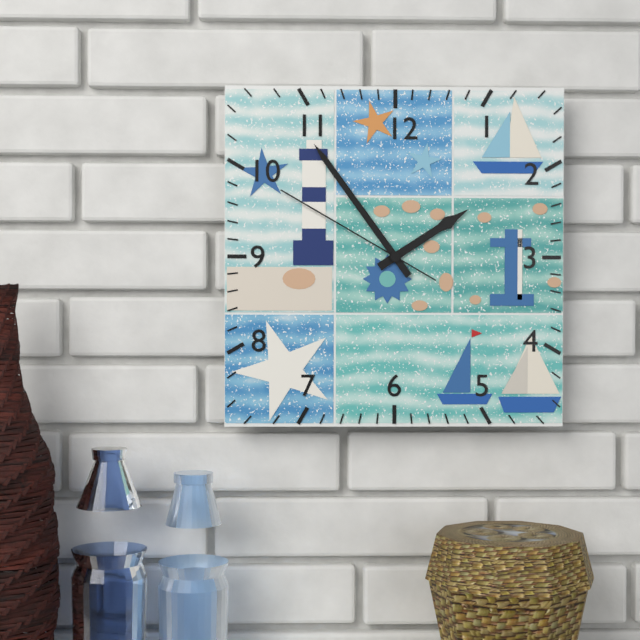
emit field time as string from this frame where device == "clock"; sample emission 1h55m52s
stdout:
1h54m50s
